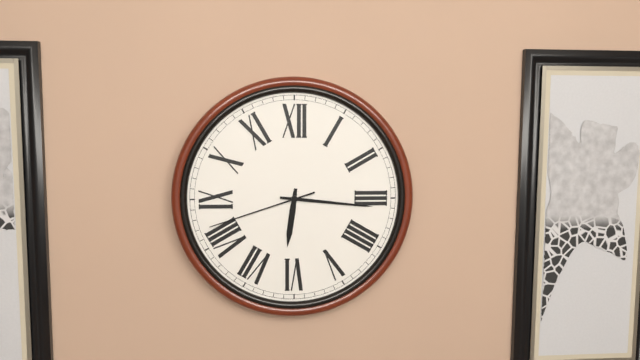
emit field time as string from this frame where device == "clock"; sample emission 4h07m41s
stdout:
6h16m42s
